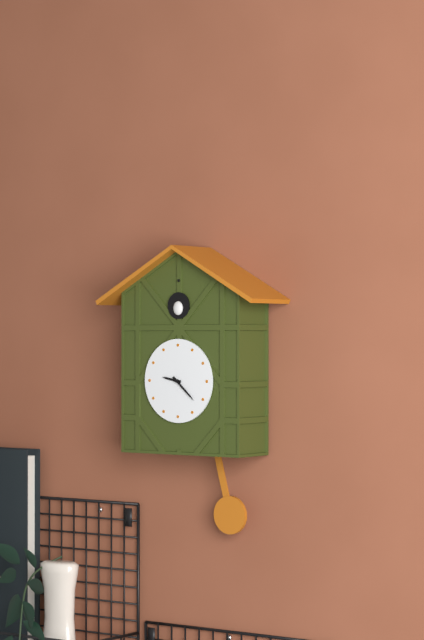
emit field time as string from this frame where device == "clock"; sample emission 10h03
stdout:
9h22
